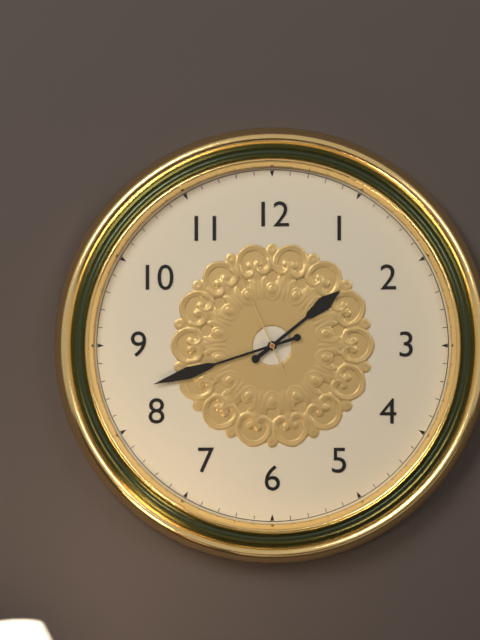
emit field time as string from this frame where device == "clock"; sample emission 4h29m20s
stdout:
1h42m56s
